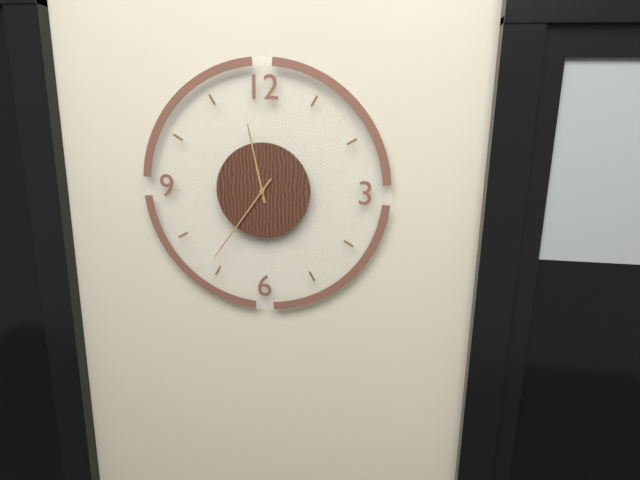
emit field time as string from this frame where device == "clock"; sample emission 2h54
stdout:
11h36
